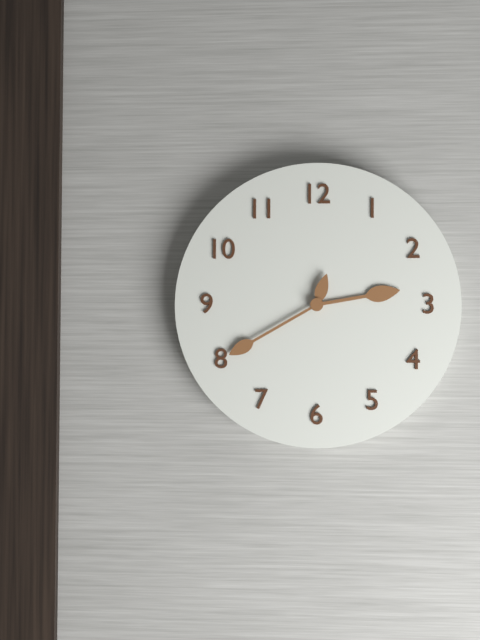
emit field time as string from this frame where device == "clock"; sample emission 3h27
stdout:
2h40
